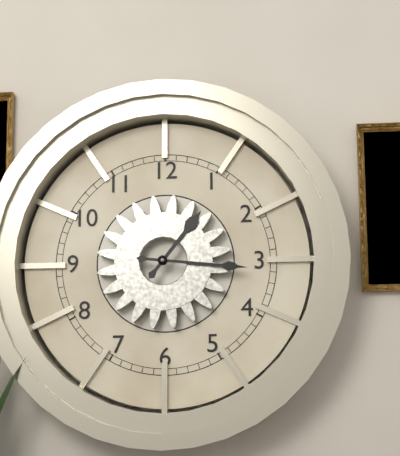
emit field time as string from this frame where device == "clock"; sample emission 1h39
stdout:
1h16
